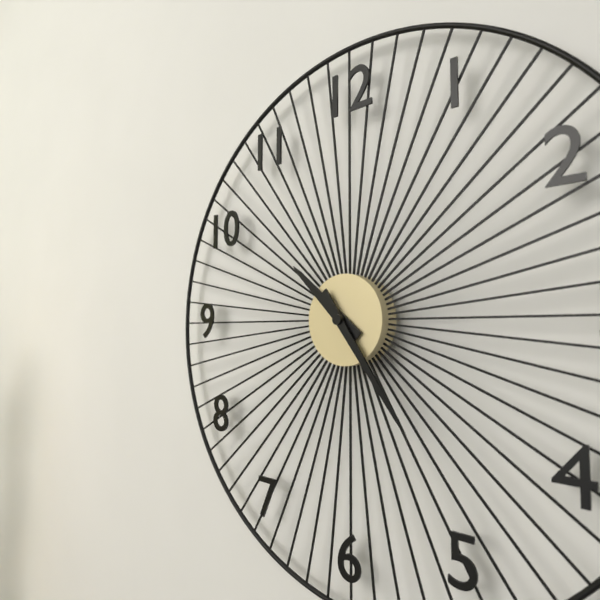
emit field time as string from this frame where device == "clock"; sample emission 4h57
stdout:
10h24
